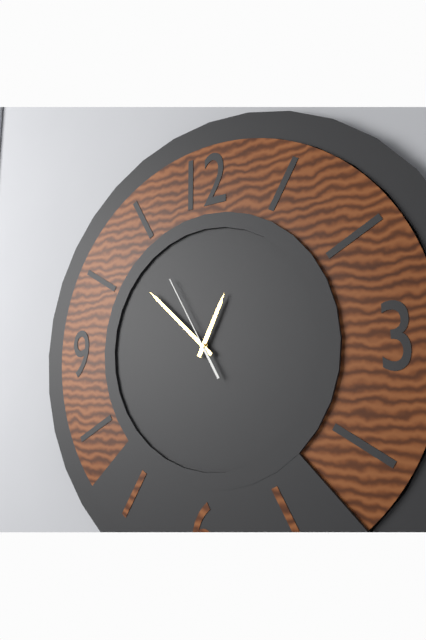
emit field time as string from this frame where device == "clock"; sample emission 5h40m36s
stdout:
12h52m55s
